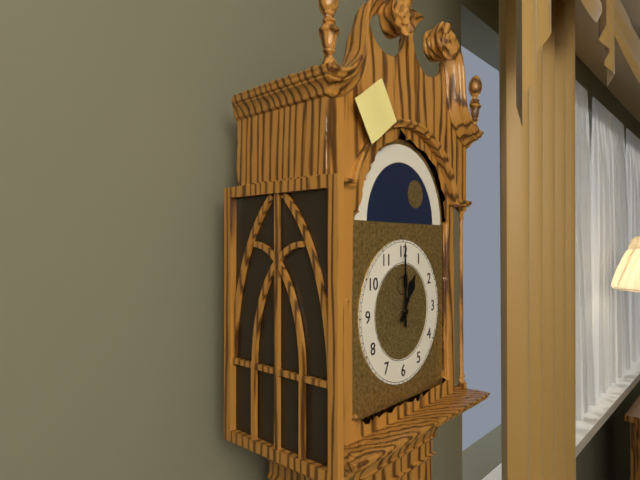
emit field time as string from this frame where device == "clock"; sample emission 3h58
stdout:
1h00
